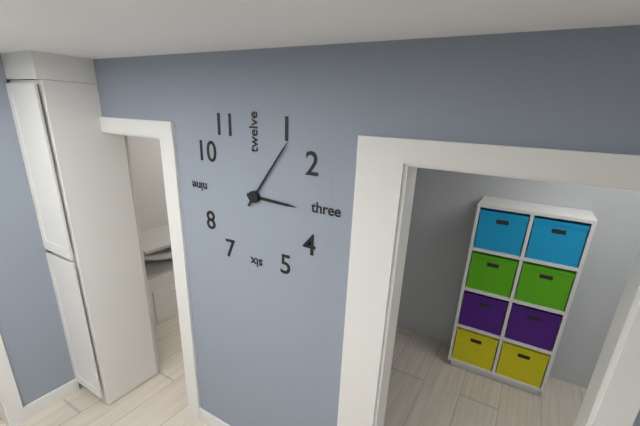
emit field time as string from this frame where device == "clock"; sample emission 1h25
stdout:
3h06
